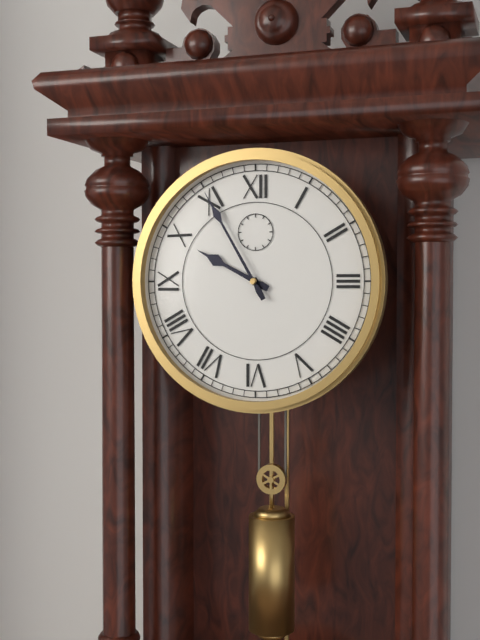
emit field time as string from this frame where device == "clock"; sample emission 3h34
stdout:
9h55
